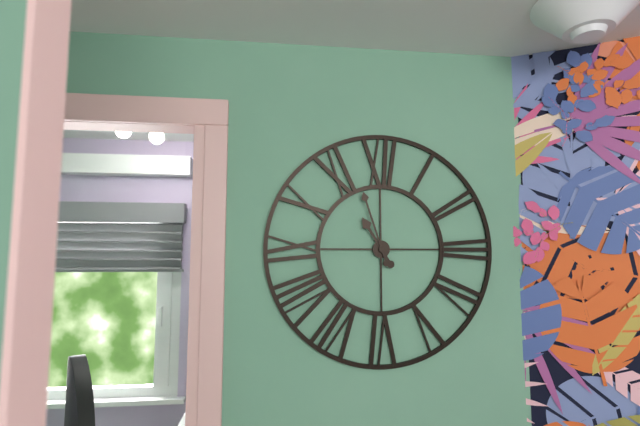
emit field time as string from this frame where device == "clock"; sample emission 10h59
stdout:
10h57
